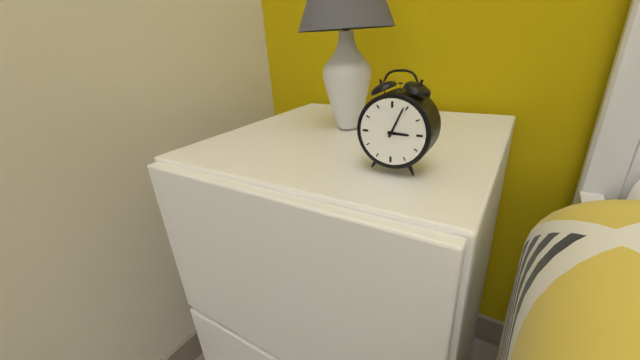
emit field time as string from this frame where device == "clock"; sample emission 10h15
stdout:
3h04
